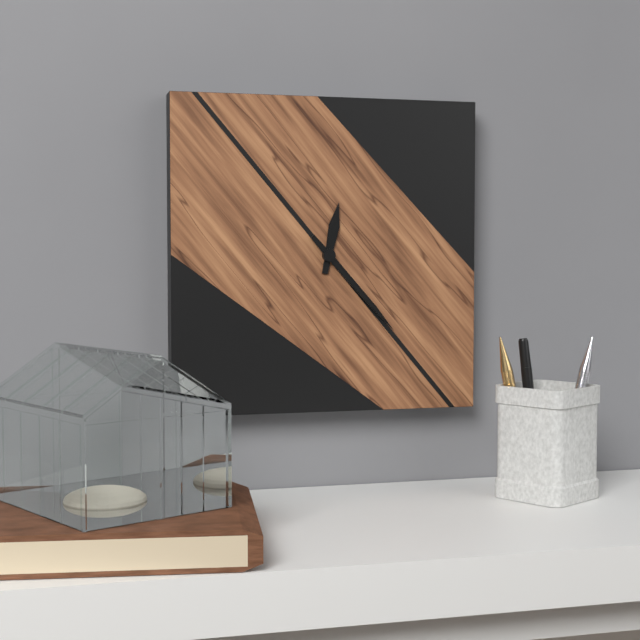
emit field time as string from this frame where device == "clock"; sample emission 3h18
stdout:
12h23
